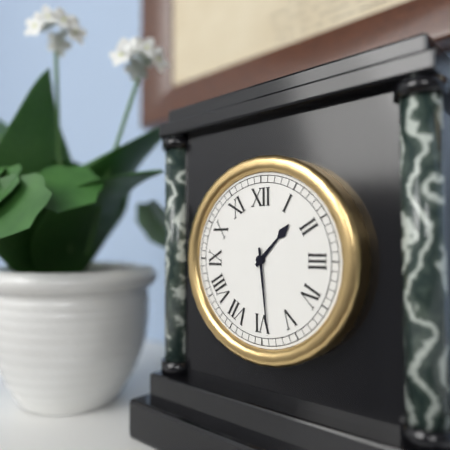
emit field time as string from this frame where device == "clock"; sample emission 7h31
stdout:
1h29
